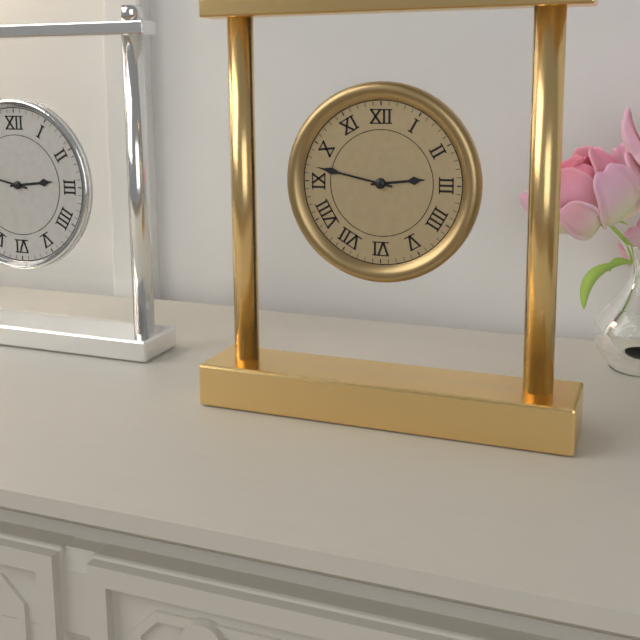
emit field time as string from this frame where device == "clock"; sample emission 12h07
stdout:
2h47
